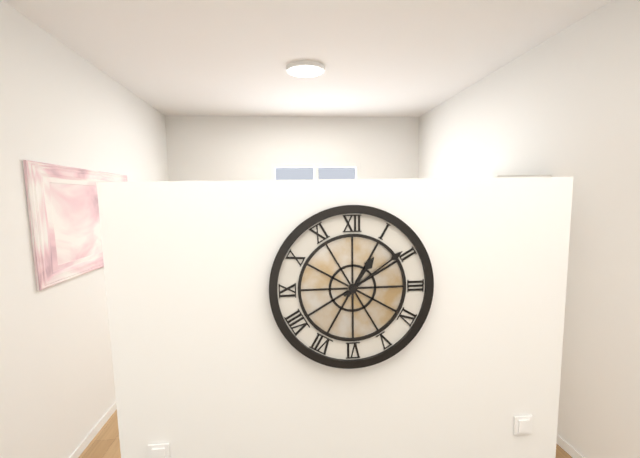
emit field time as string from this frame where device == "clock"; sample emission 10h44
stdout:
1h09
